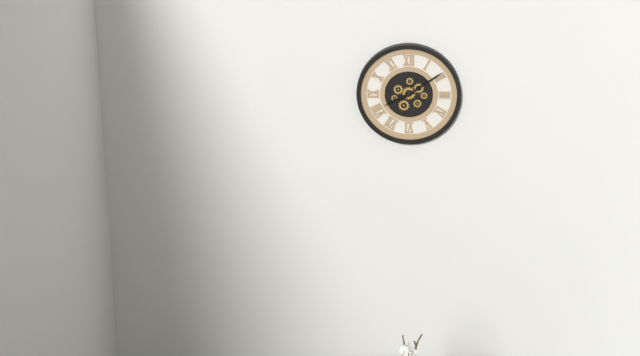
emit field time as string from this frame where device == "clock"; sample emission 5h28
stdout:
8h09
